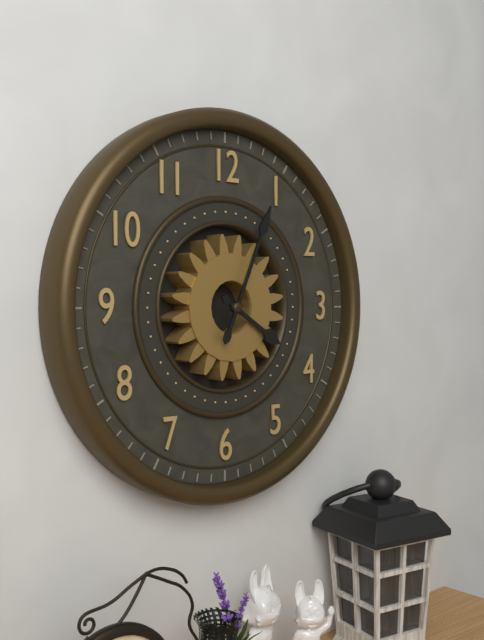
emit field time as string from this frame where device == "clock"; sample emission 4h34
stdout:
4h04
